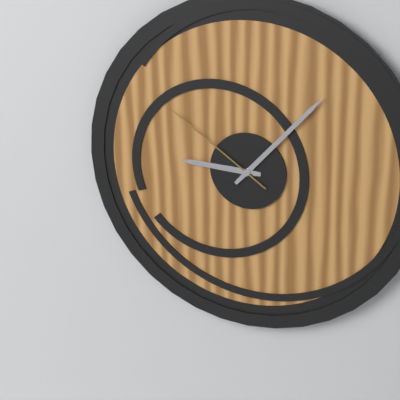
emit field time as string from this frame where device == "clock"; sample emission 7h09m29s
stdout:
9h07m51s
